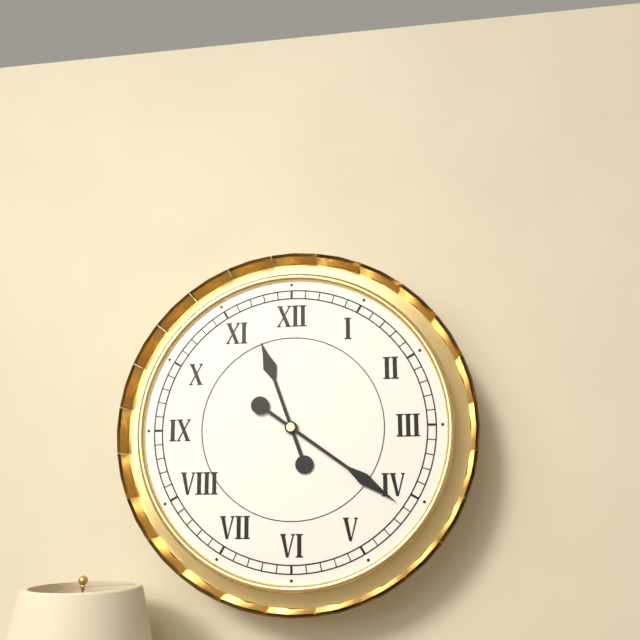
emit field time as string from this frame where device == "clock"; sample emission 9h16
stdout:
11h21
